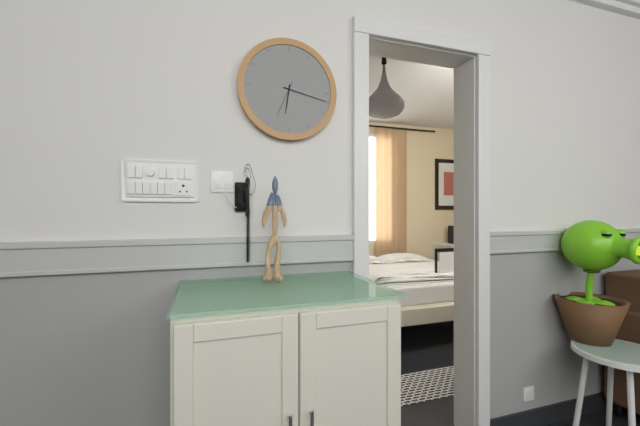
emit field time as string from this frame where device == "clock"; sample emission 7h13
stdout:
6h17
